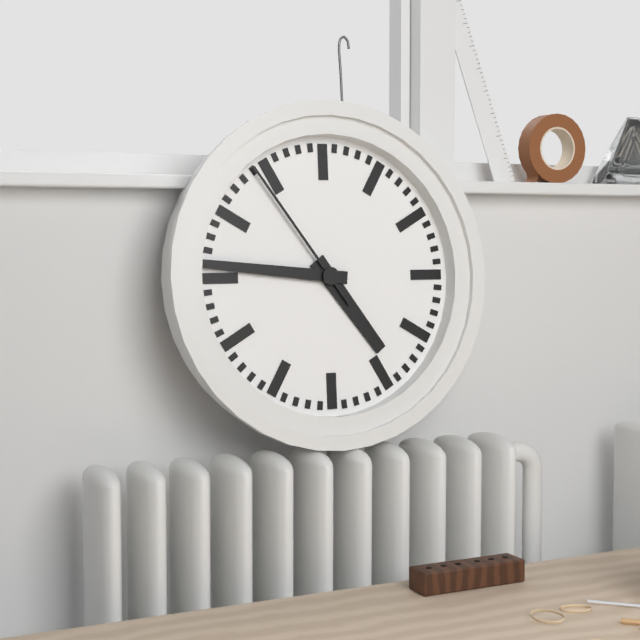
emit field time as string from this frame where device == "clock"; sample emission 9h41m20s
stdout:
4h46m54s
